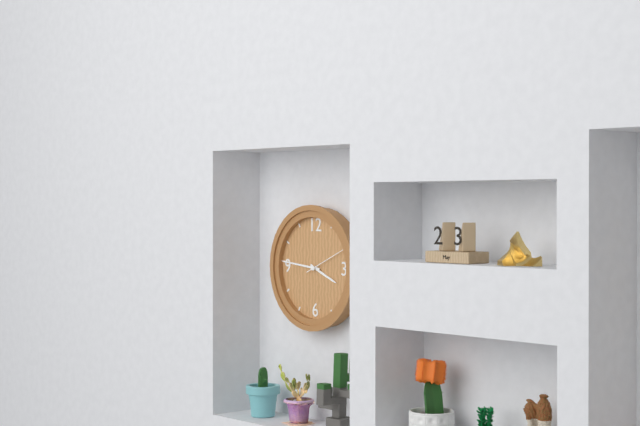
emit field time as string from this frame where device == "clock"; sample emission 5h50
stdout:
3h46
